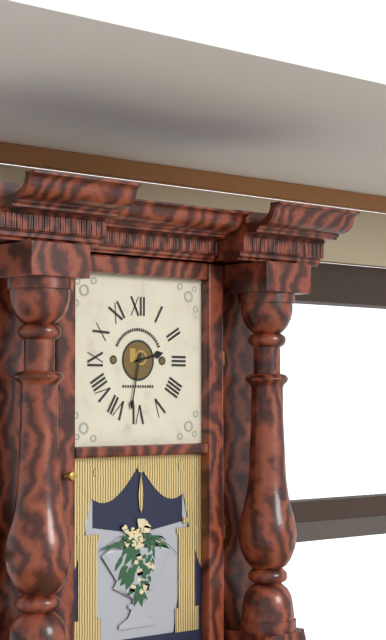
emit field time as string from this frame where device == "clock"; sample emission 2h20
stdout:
2h32
